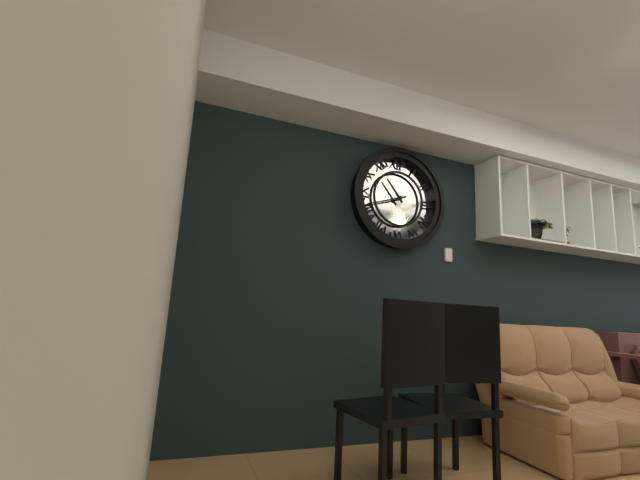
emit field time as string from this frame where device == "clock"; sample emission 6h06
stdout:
10h42
